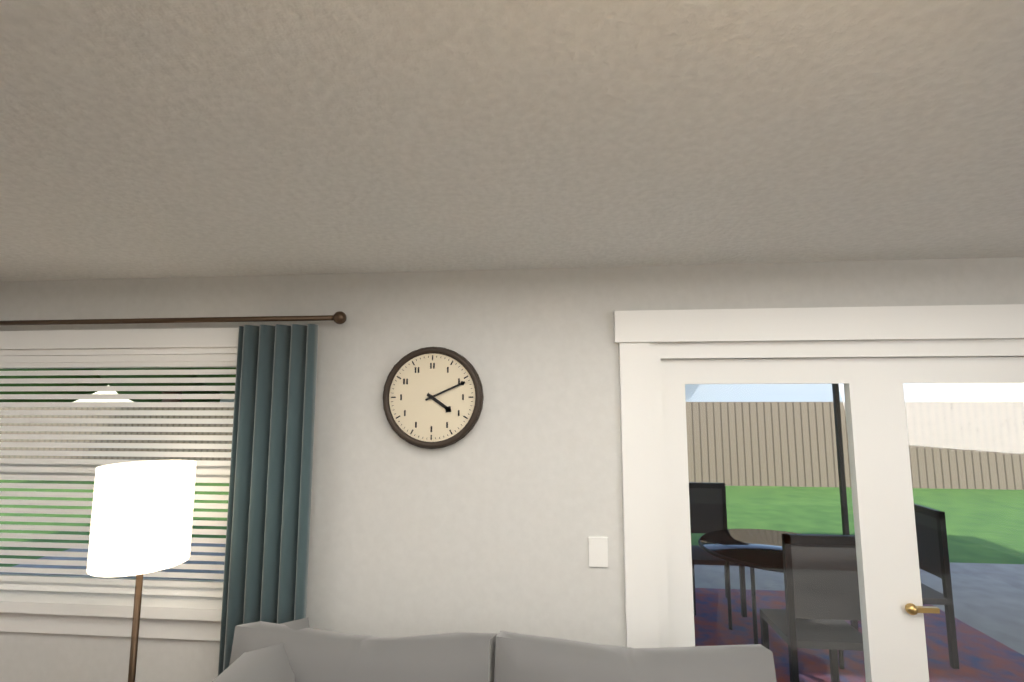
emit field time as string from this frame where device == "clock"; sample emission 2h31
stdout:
4h11
